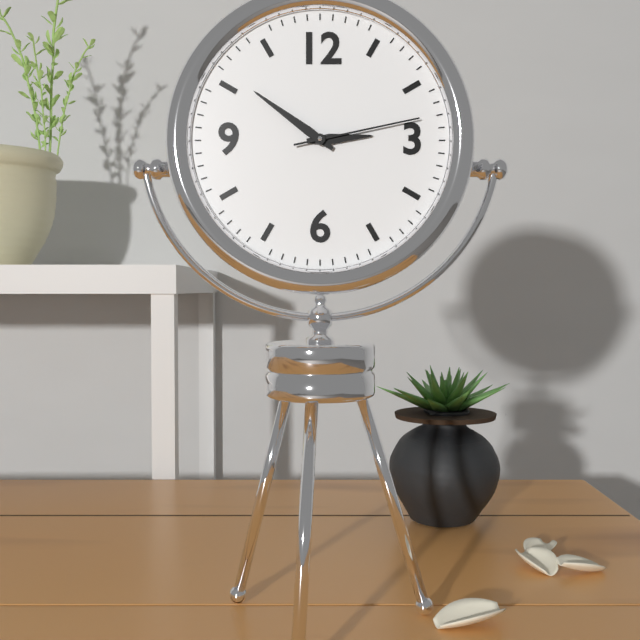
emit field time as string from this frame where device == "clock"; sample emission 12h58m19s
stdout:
2h51m13s
